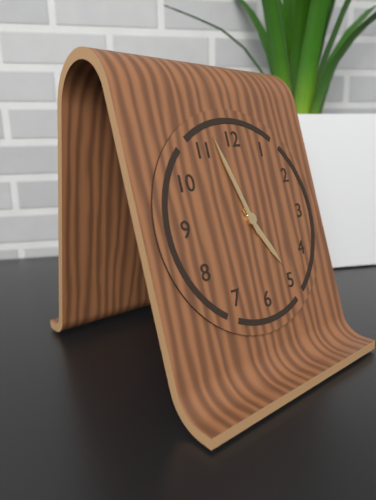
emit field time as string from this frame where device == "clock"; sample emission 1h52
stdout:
4h57
